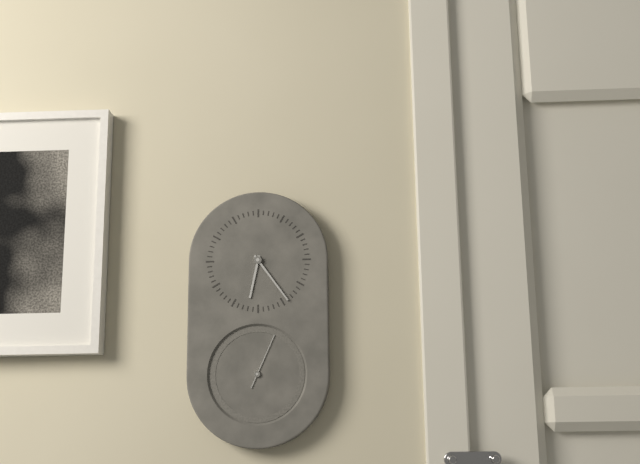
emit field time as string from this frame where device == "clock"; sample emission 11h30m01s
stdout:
6h24m04s
